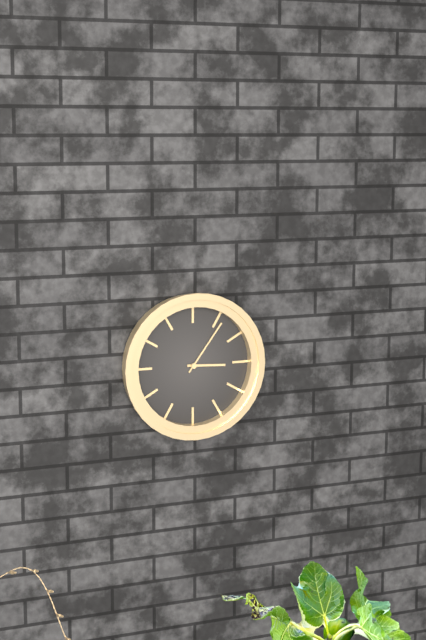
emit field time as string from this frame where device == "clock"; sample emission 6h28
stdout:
3h06
